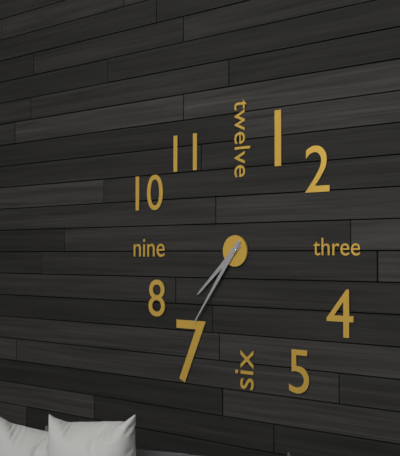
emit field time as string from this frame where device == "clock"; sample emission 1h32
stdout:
7h36
